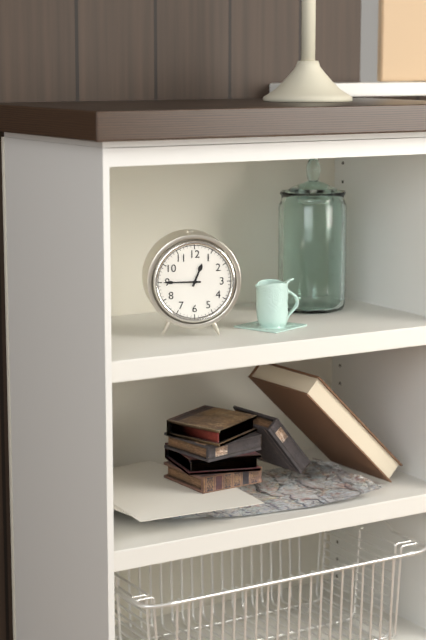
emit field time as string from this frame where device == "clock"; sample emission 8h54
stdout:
12h45
